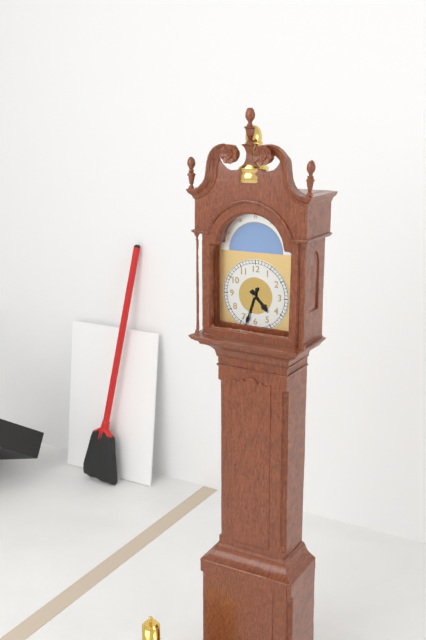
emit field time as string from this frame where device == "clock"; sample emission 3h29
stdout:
4h33
